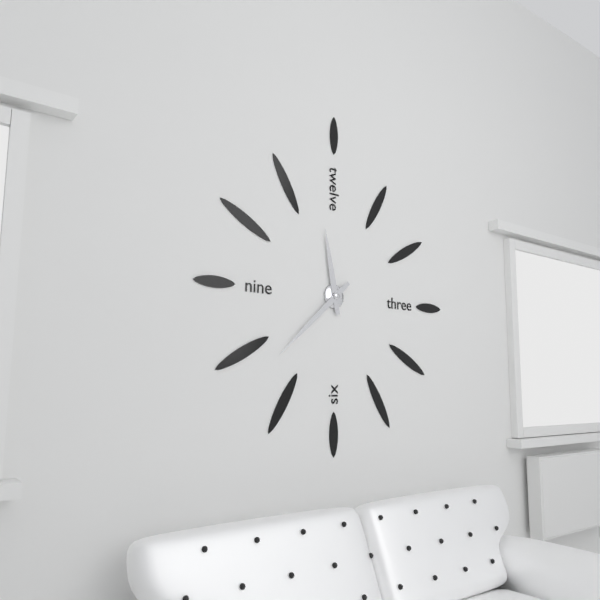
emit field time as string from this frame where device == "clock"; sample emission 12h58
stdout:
11h38
